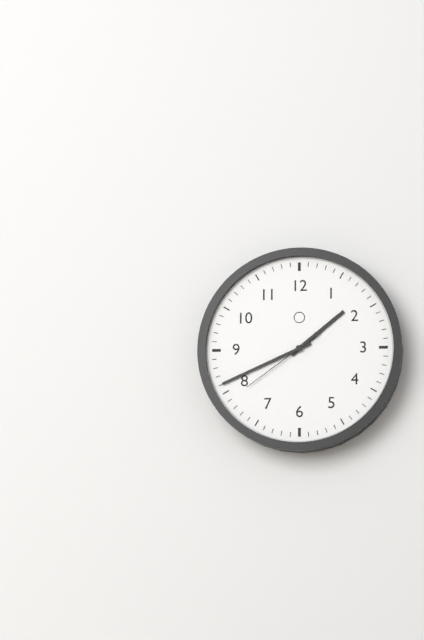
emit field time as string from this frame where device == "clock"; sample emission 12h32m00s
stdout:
1h41m39s
